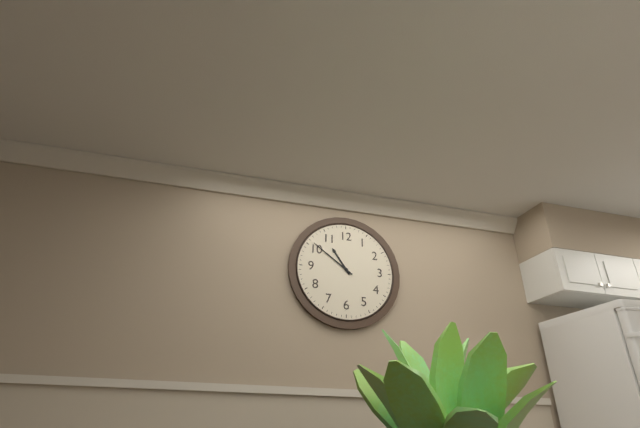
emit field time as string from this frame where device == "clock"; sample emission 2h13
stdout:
10h51
